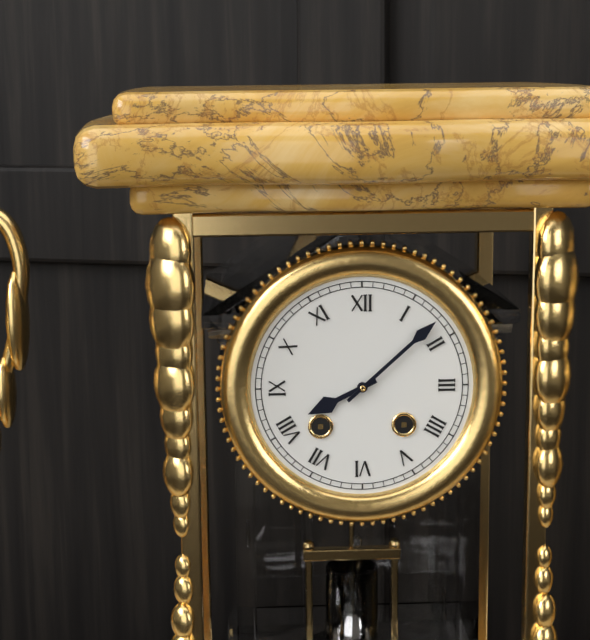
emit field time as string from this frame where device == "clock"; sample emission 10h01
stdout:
8h08
